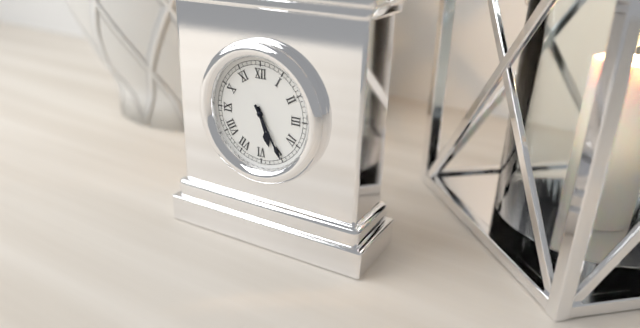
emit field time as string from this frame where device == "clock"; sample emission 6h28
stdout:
5h25
